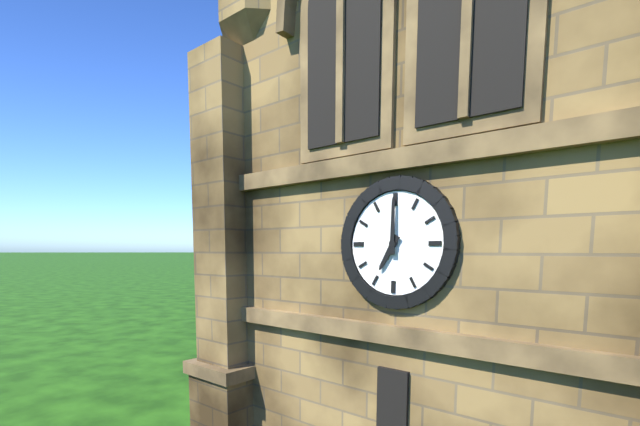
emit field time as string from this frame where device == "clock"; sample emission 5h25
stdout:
7h00
